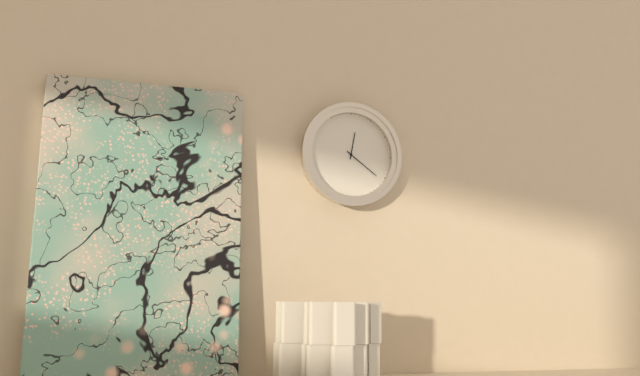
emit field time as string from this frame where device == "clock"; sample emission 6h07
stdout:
12h21
